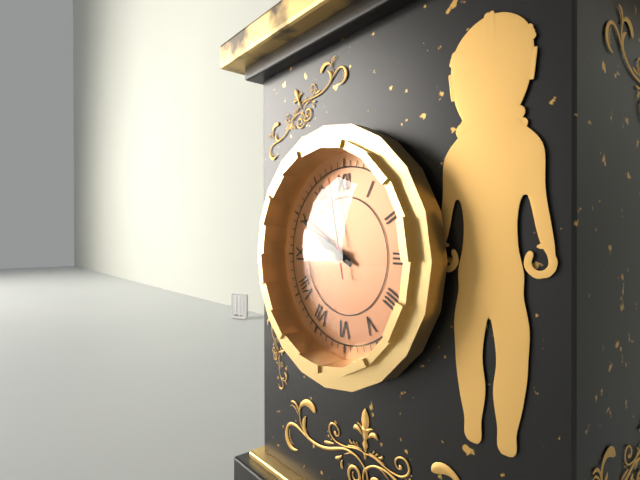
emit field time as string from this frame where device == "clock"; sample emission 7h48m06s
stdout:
9h50m58s
